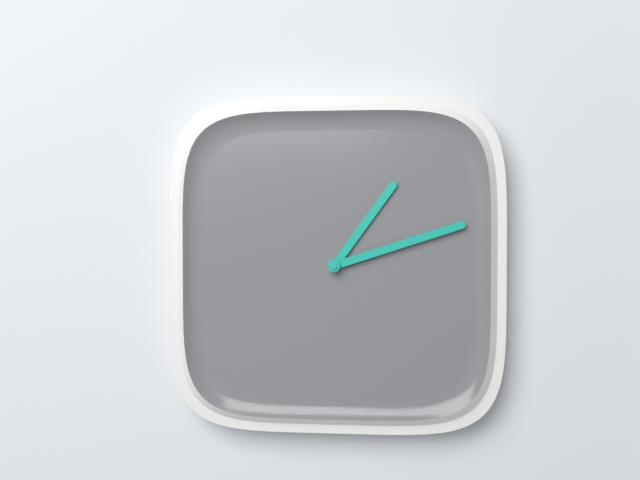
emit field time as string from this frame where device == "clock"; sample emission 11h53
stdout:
1h12
